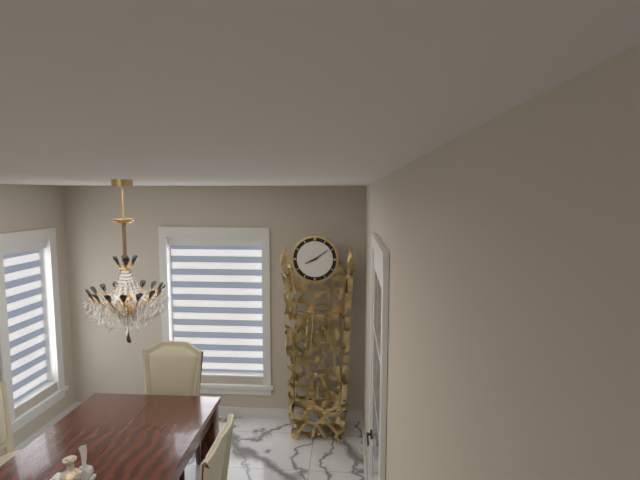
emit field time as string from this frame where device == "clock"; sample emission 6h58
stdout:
8h09
